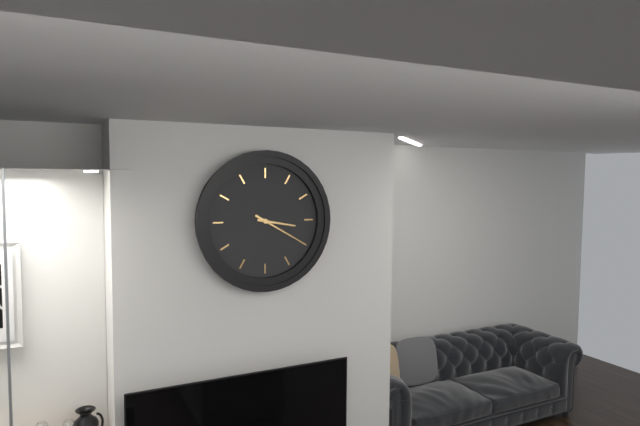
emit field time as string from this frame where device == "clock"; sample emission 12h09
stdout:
3h20
